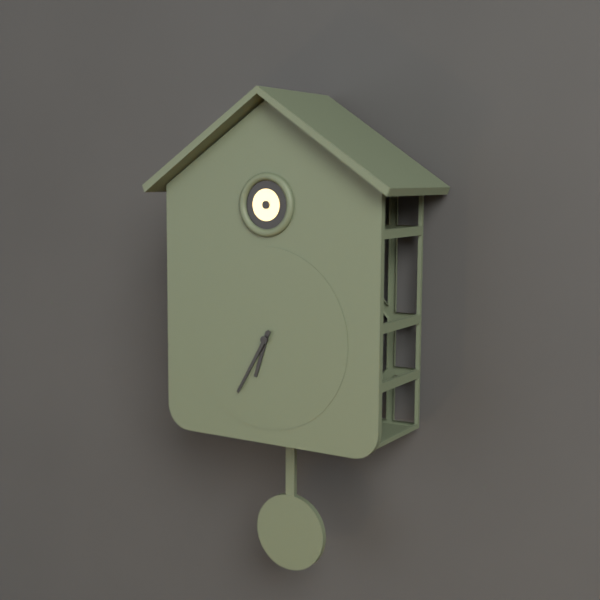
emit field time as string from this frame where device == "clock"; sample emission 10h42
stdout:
6h35
